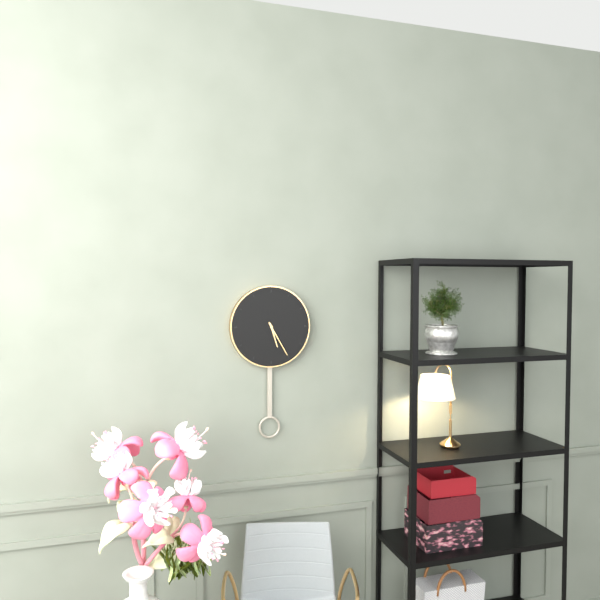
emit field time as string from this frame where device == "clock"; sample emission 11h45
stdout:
5h25
